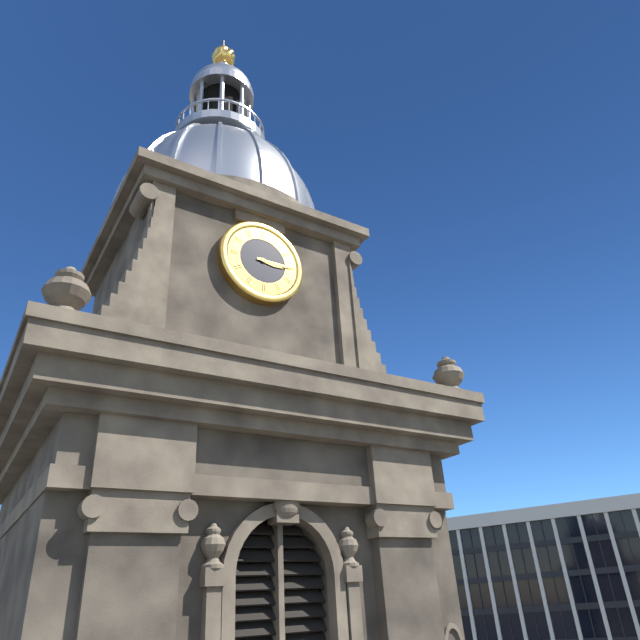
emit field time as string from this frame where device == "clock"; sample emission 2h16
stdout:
3h15
